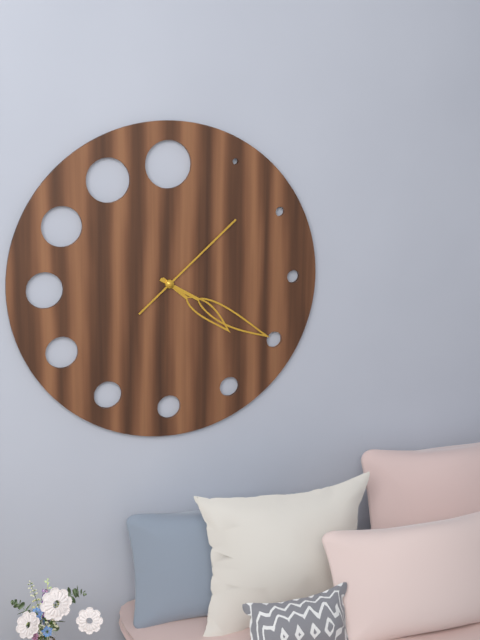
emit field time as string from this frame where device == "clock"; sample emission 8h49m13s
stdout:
4h20m08s
